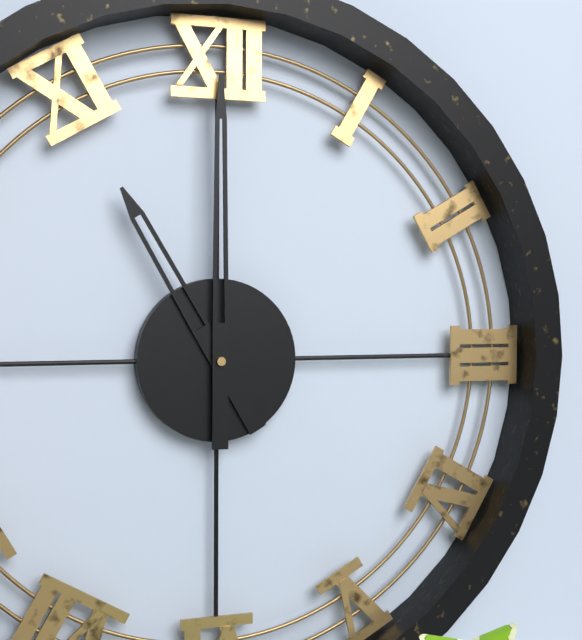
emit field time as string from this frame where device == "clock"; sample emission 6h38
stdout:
11h00
